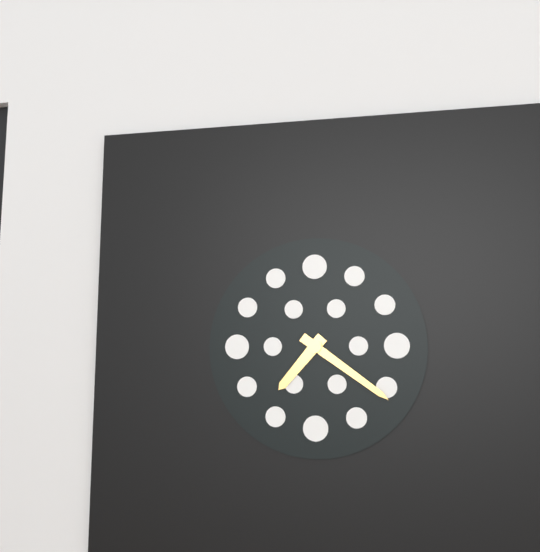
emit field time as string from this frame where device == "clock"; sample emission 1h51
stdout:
7h21
